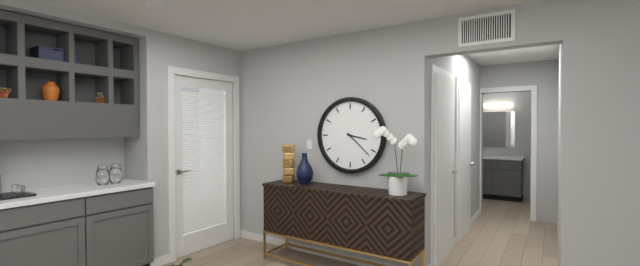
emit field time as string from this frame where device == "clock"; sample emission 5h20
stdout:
3h22
